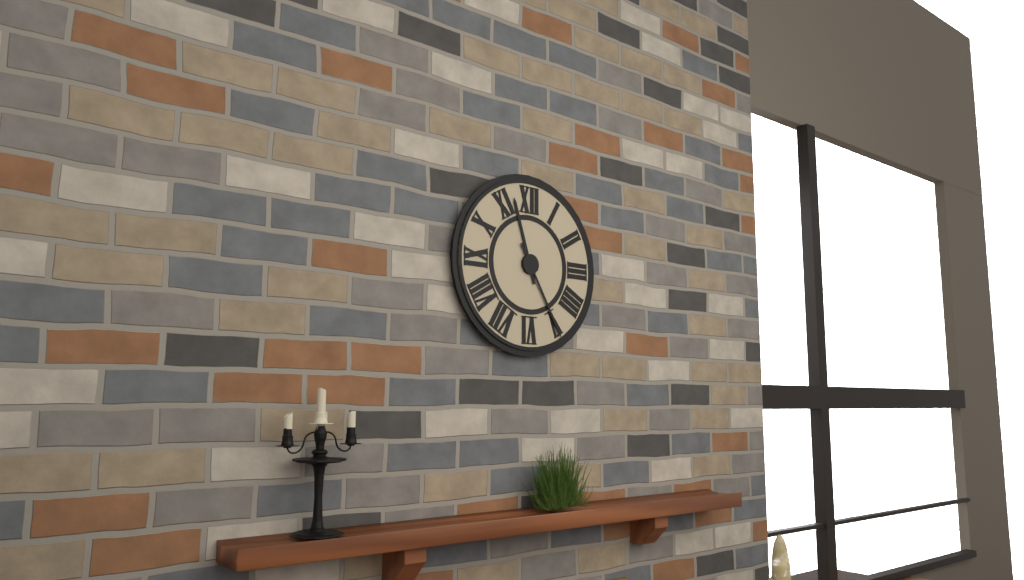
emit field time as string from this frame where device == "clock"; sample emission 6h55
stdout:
11h25
